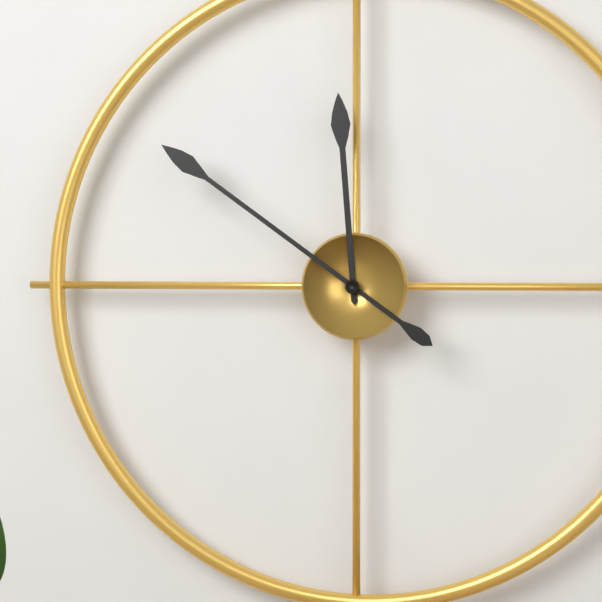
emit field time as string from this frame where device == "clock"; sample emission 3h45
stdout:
11h51
